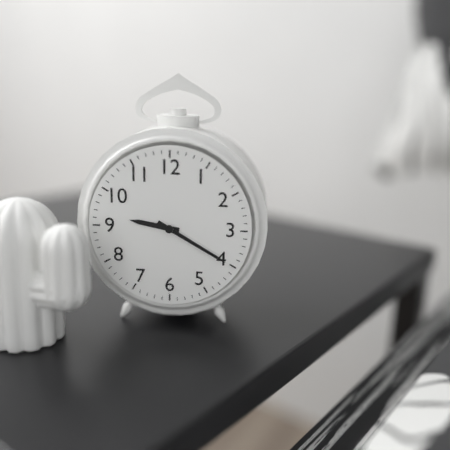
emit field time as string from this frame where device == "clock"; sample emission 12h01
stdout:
9h20
